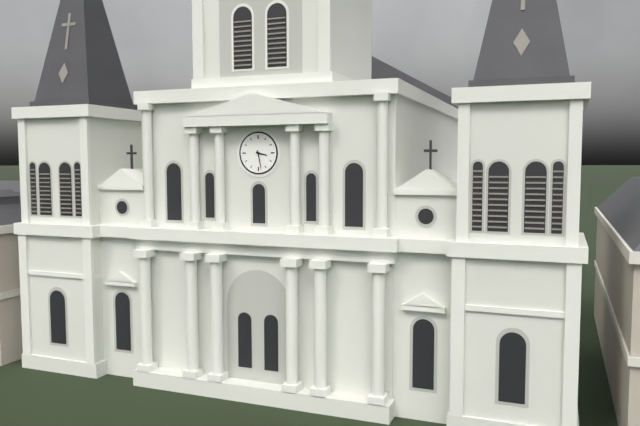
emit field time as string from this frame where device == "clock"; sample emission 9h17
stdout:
3h28
